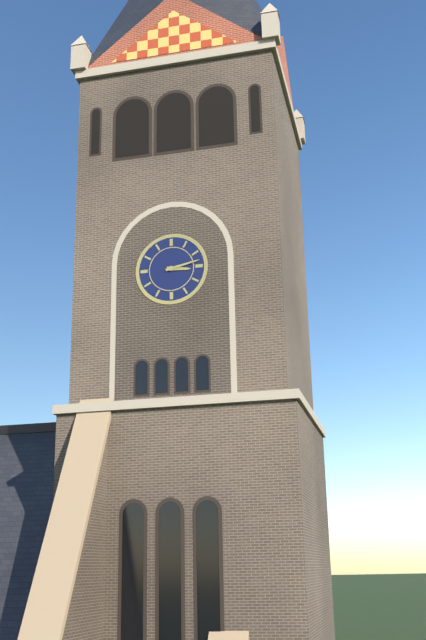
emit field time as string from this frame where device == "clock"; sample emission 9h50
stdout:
3h13
